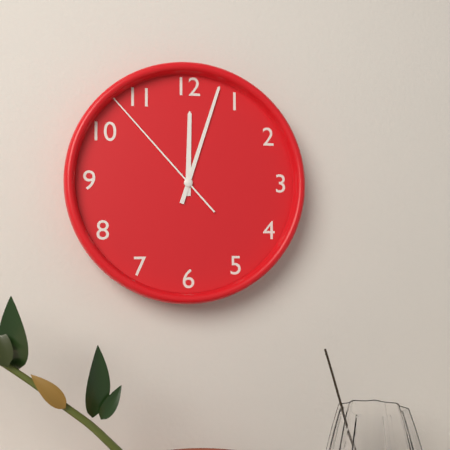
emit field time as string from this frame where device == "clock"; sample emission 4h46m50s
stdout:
12h03m53s
